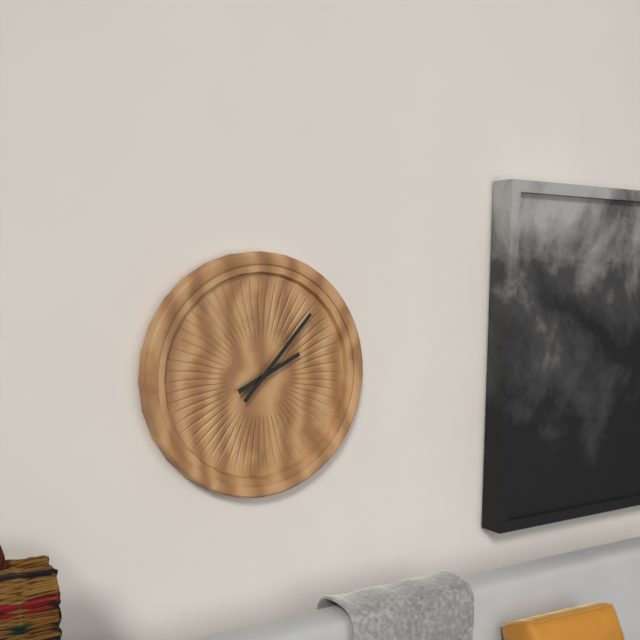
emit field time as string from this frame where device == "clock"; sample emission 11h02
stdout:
2h07
